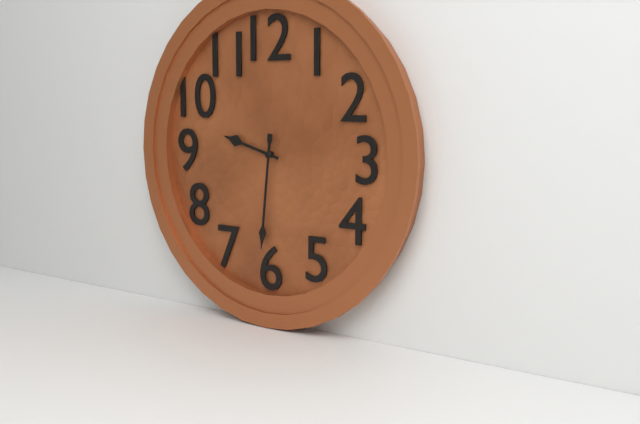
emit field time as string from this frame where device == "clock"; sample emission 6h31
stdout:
9h31
